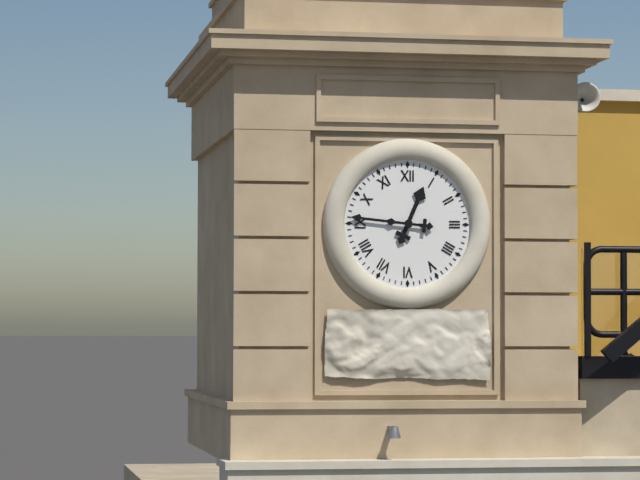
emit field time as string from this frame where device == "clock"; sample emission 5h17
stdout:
12h46
